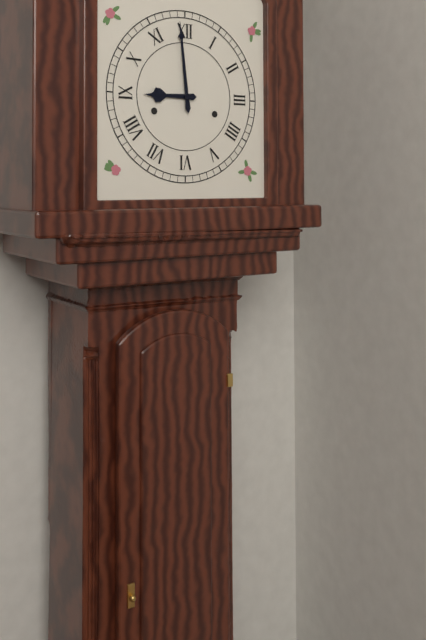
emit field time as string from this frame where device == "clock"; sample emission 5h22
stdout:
8h59
